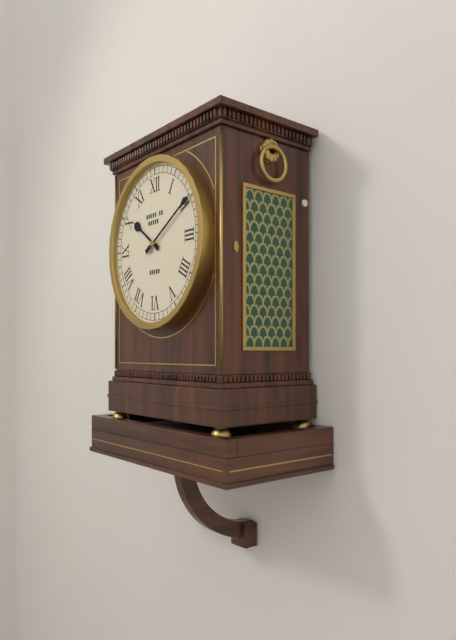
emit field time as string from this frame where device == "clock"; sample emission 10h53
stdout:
10h10
